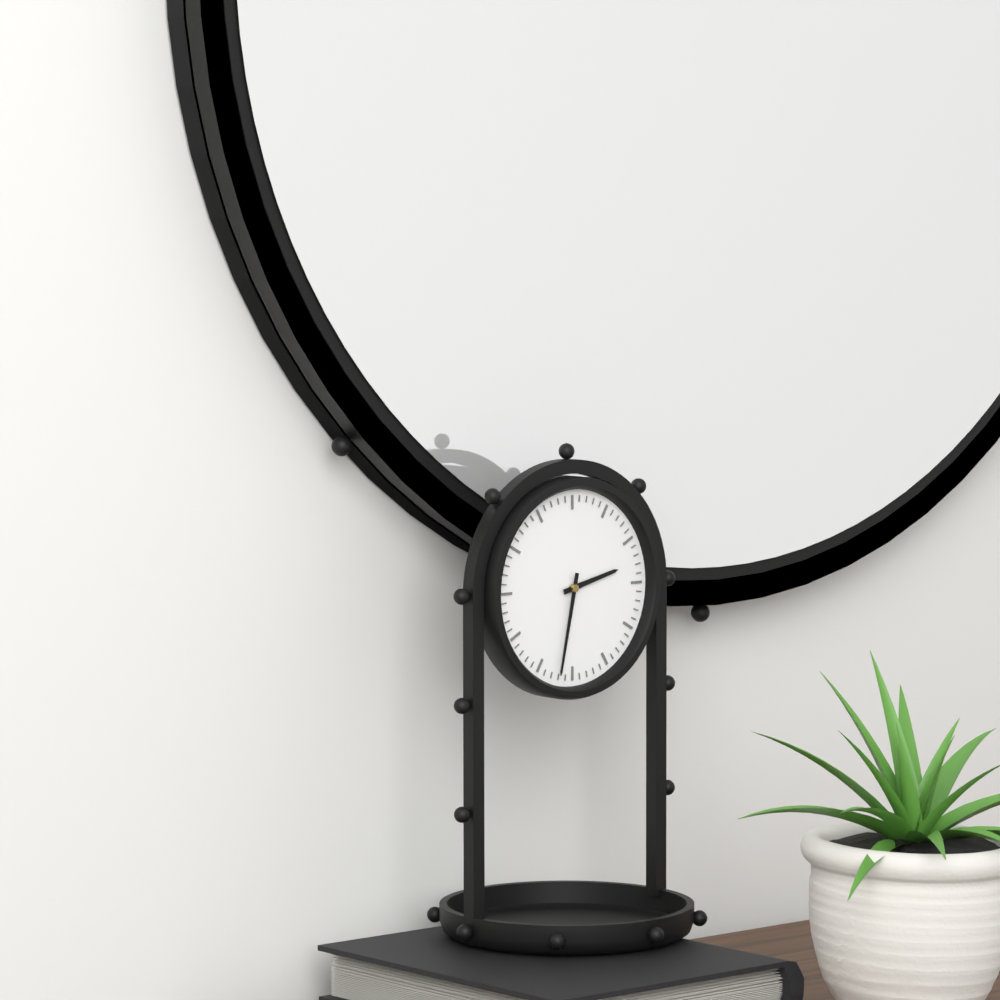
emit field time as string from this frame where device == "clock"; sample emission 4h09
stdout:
2h32
